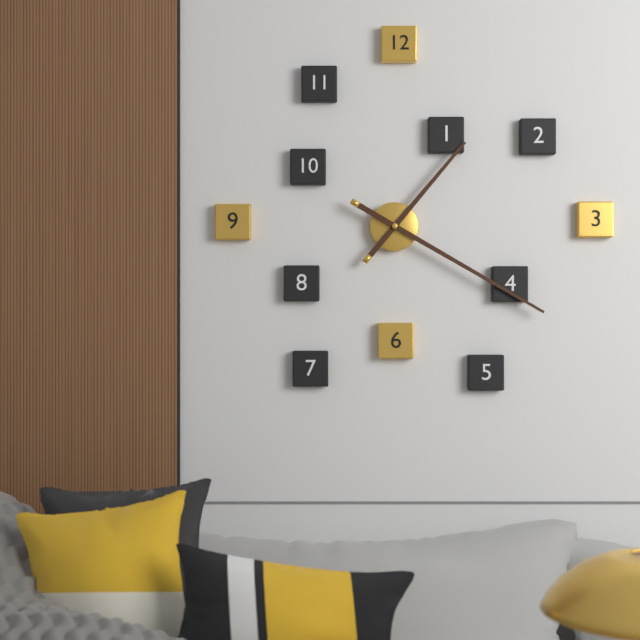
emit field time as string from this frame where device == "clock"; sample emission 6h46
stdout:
1h20
